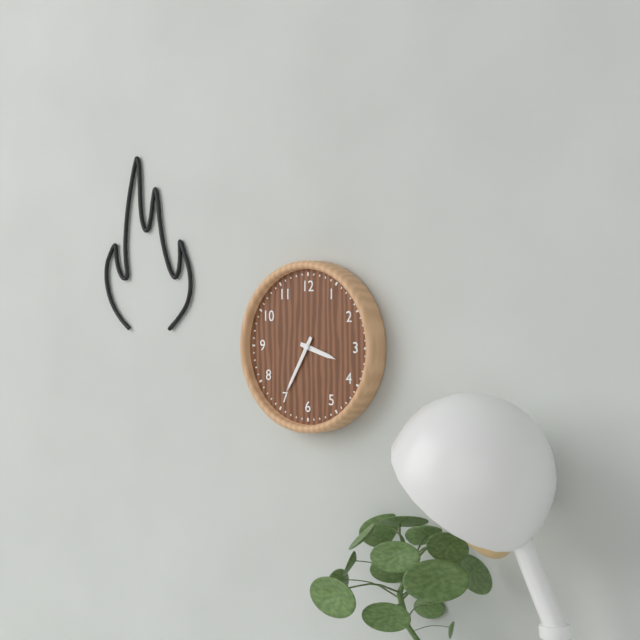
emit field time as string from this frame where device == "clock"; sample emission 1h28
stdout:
3h35
